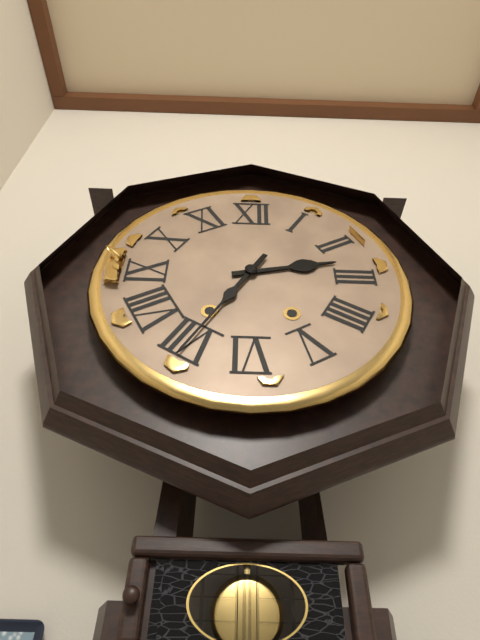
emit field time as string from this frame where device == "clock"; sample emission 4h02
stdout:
2h35
